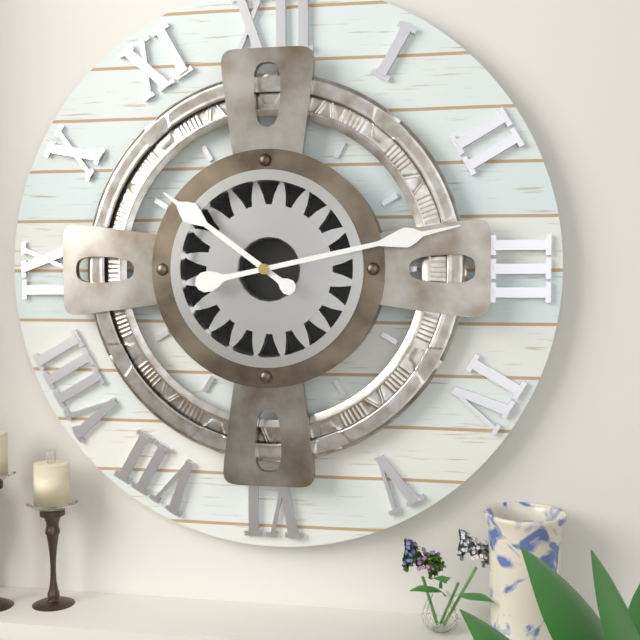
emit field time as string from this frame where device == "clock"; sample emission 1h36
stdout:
10h13
